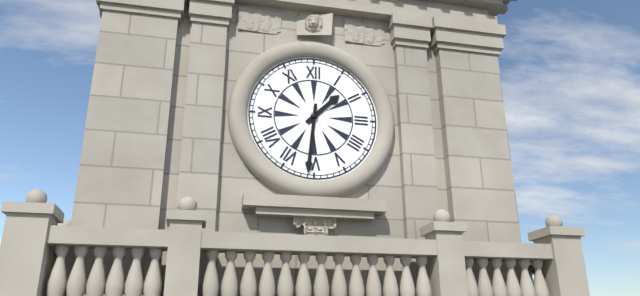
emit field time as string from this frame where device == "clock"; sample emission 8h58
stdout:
1h31
